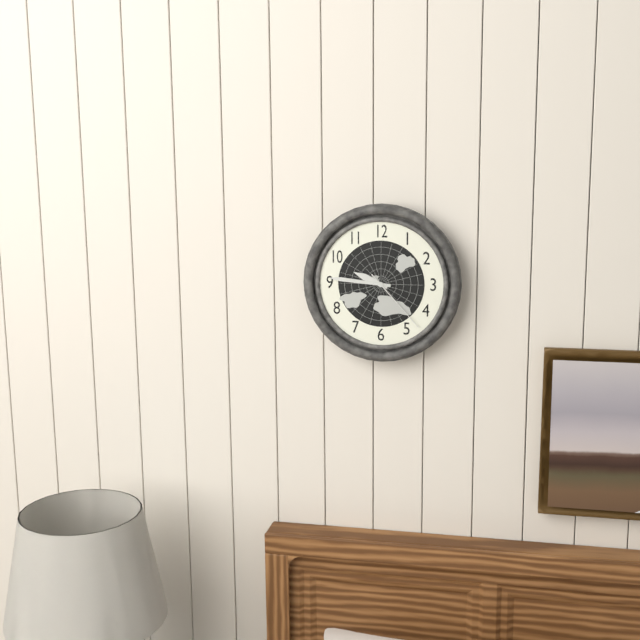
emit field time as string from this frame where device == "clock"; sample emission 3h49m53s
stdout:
9h46m23s
